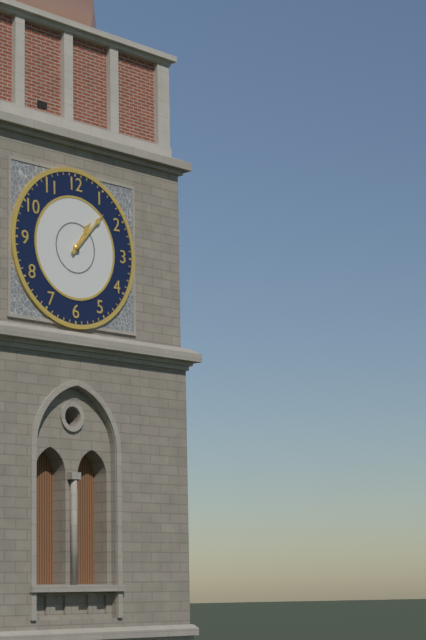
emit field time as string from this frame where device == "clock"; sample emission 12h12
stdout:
1h07
